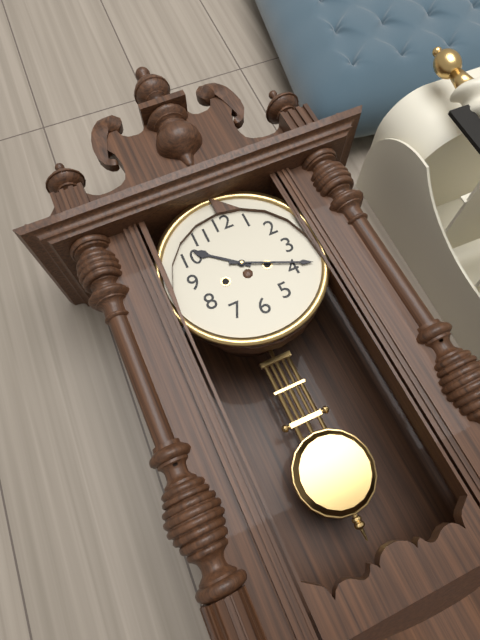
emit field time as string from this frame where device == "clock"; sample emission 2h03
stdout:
10h19
